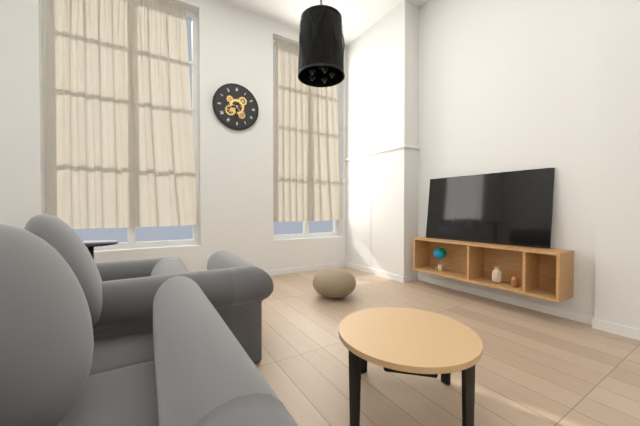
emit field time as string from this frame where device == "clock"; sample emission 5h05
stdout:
8h31
